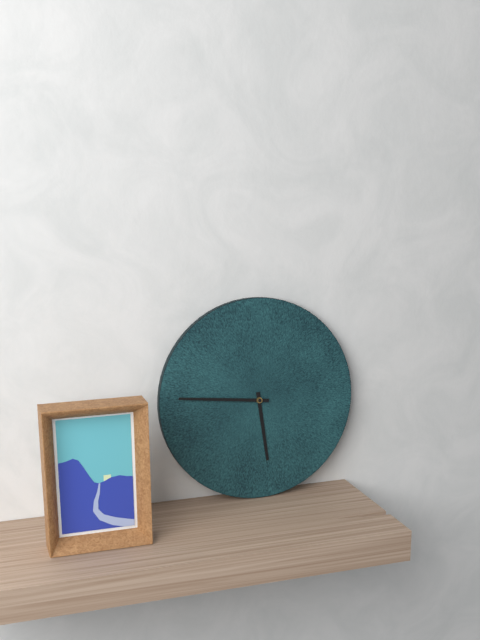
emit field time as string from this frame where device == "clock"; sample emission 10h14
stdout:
5h46
